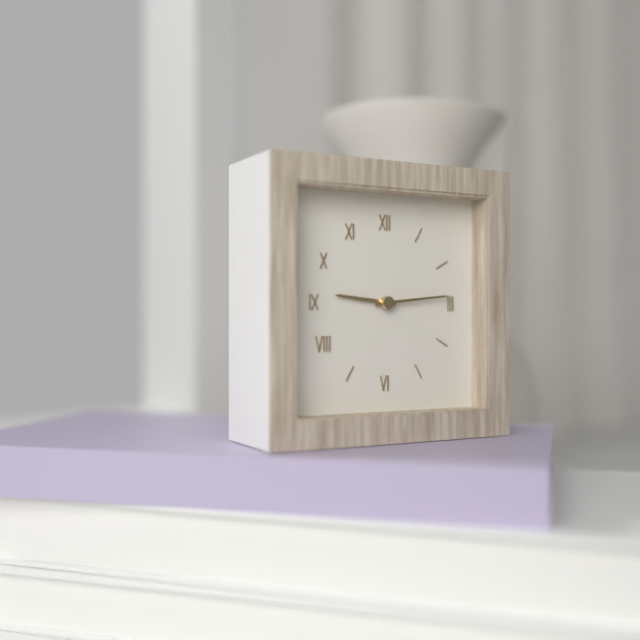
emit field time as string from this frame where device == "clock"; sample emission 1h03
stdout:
9h14
